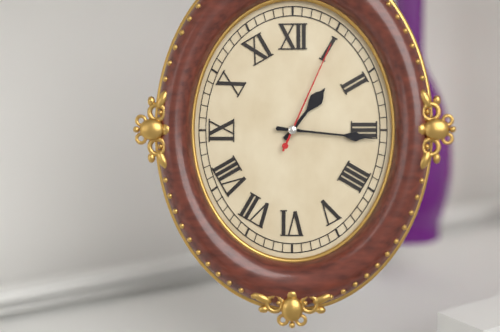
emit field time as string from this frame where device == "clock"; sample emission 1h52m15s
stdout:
1h16m04s
